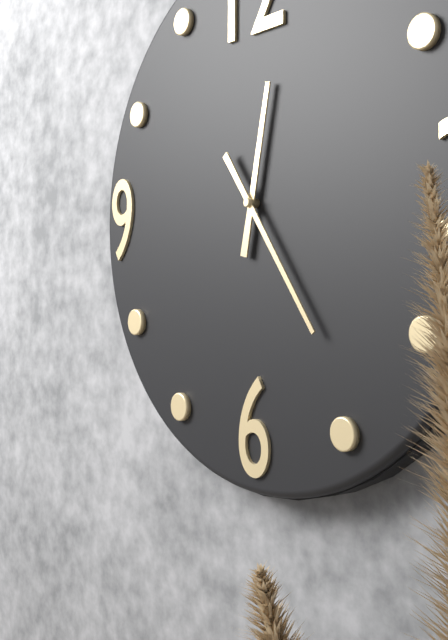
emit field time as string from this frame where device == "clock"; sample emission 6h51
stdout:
12h24
